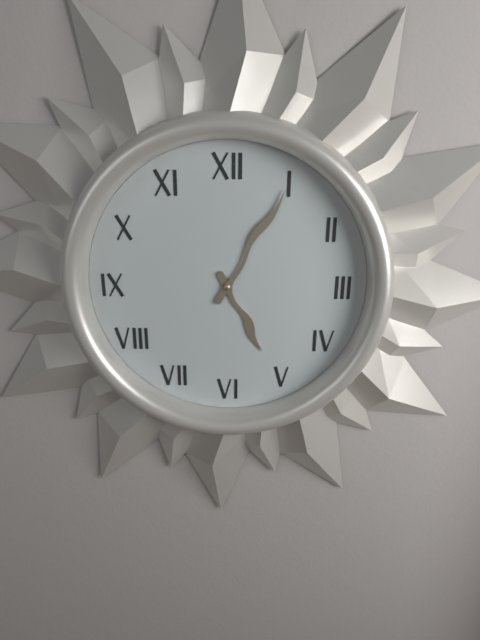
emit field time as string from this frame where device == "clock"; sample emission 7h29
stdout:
5h05
